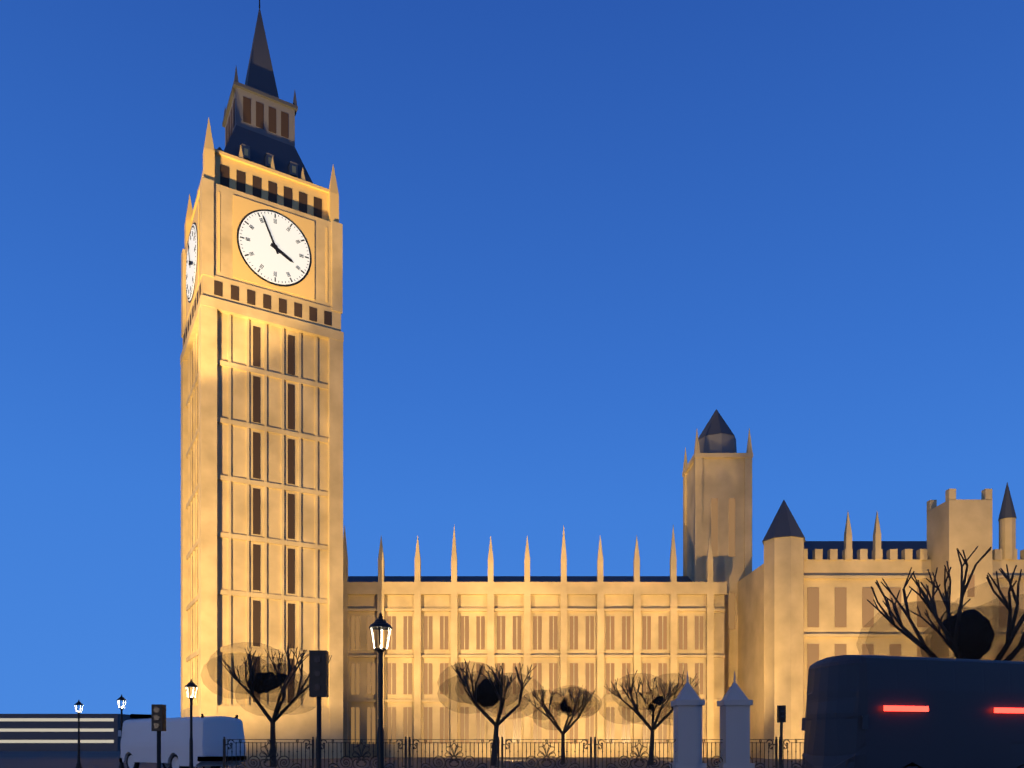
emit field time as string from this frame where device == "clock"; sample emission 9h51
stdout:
3h56
